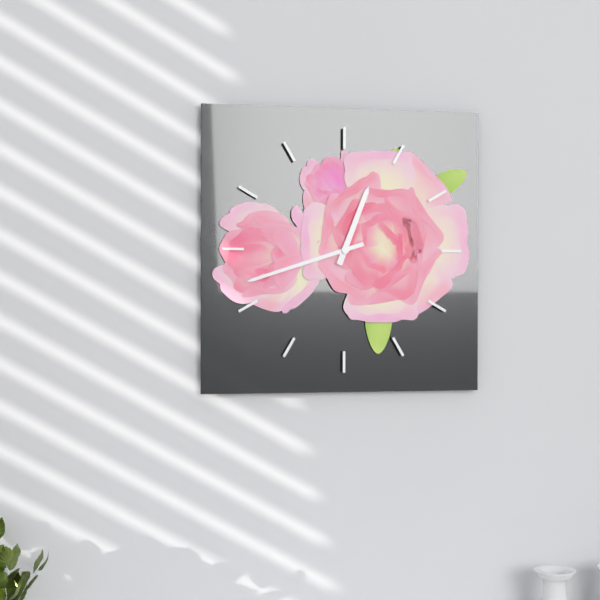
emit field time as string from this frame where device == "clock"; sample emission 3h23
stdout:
12h42
